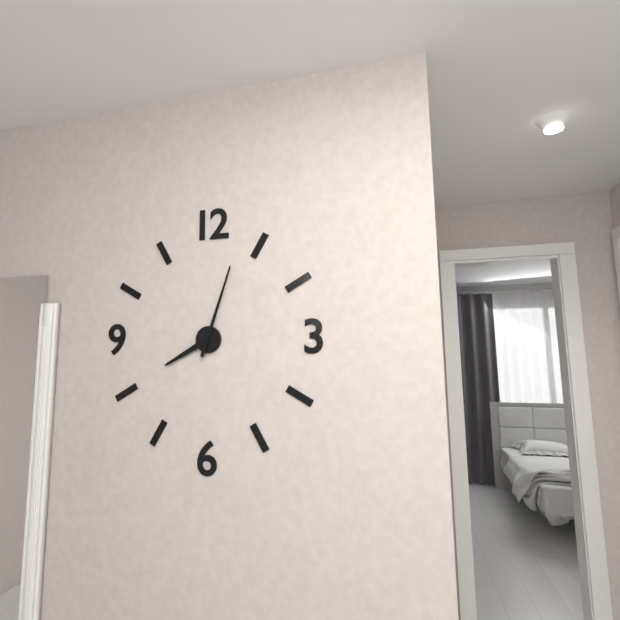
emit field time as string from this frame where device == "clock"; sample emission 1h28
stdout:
8h03
